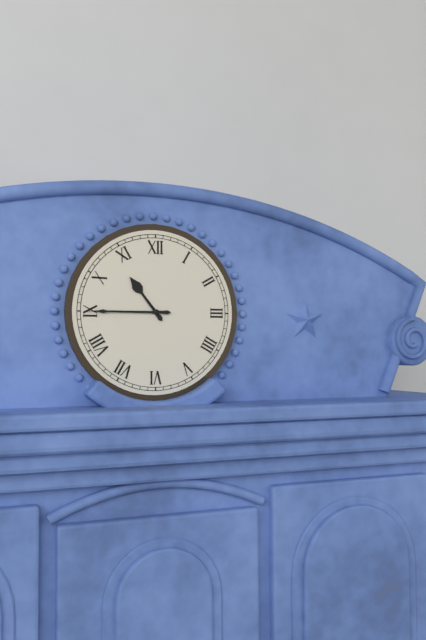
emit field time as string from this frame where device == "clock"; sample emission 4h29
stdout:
10h45
